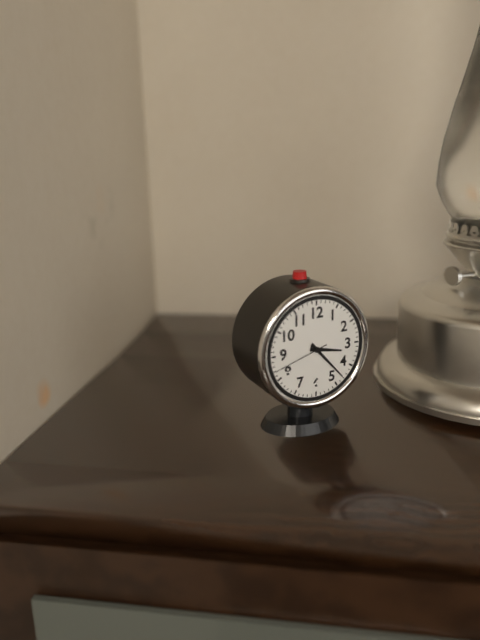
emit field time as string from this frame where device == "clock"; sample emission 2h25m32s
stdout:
3h23m42s
